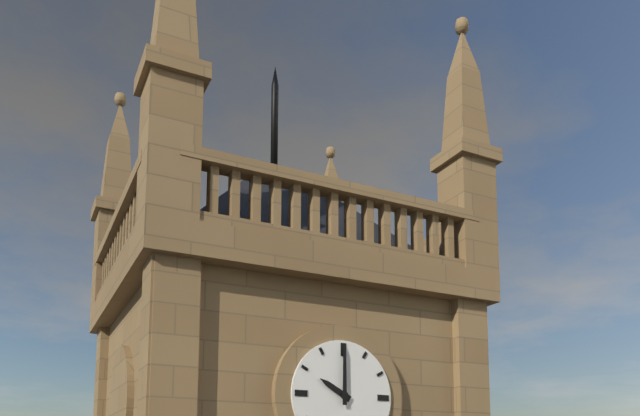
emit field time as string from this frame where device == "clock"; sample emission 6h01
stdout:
10h00
